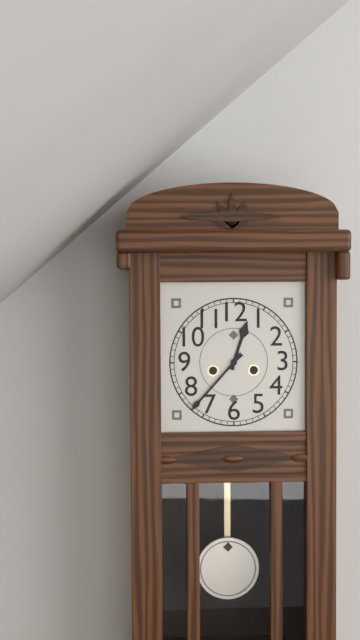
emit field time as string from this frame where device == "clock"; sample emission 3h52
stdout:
12h37
